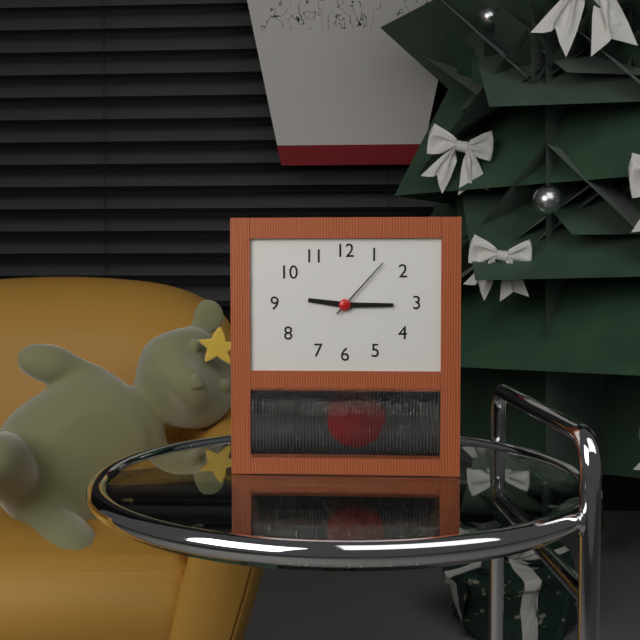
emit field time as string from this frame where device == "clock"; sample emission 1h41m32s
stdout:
9h15m07s
